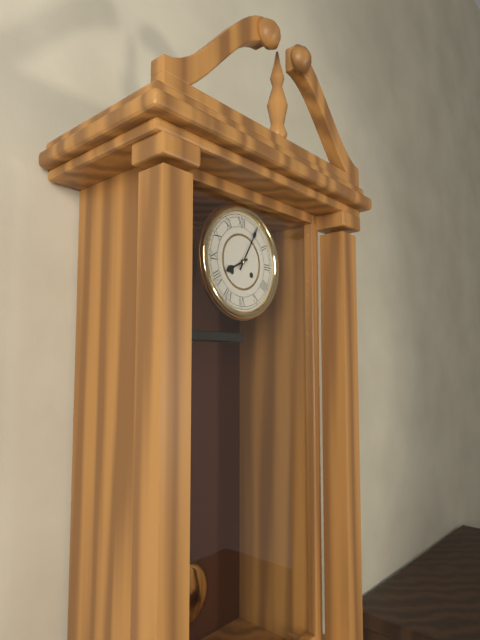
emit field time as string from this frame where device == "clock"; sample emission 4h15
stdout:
8h05
